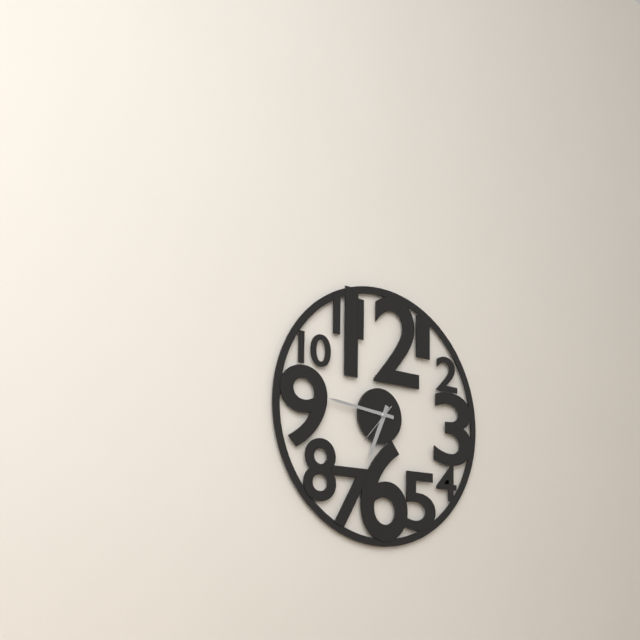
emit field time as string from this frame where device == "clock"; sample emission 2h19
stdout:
6h46
